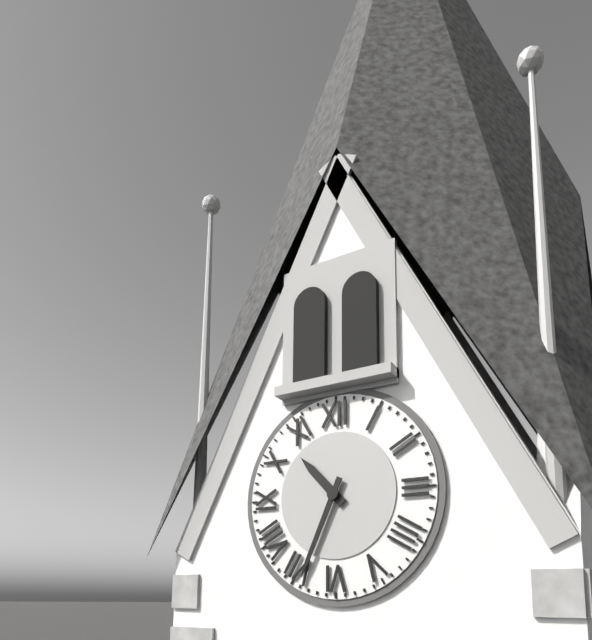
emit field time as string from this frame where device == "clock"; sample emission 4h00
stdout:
10h34
